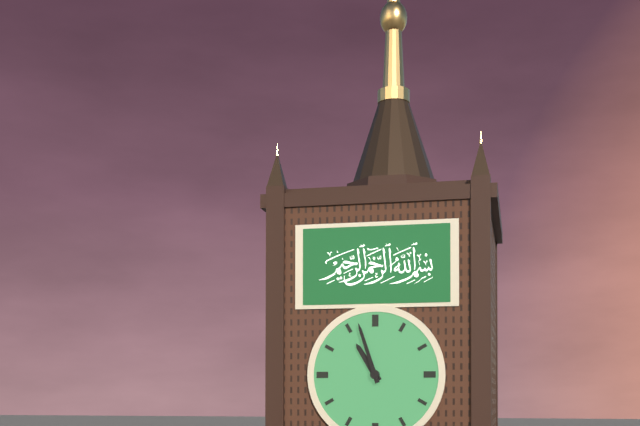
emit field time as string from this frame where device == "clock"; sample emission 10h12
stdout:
10h57
